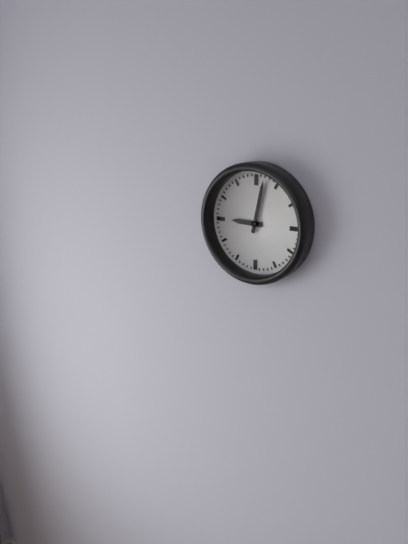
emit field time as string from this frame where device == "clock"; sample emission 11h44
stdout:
9h02
